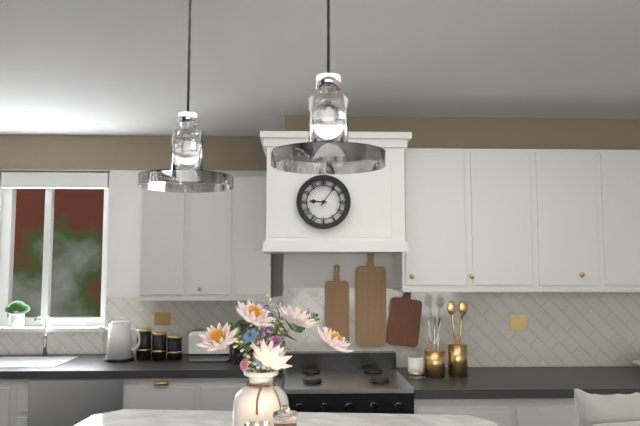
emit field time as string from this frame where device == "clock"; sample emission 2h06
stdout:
9h06
